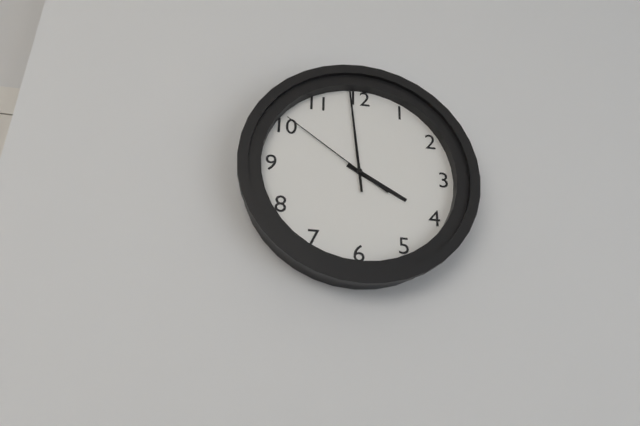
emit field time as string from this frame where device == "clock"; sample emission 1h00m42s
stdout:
3h59m51s
